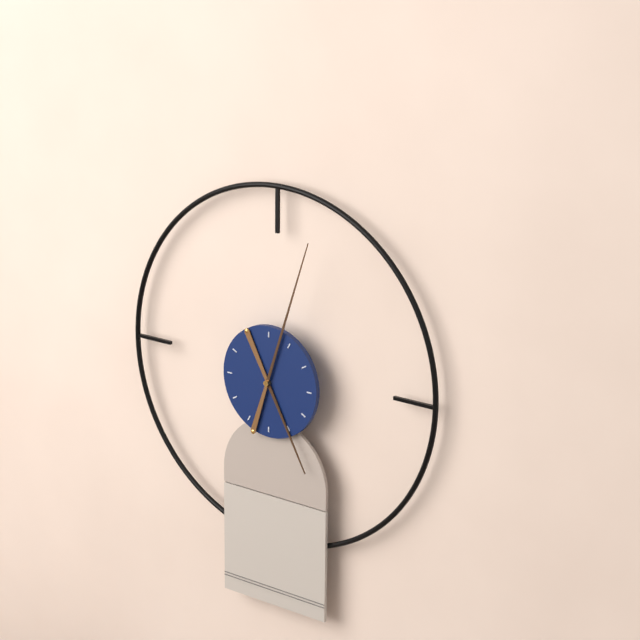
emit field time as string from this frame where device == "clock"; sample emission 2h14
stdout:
5h03
